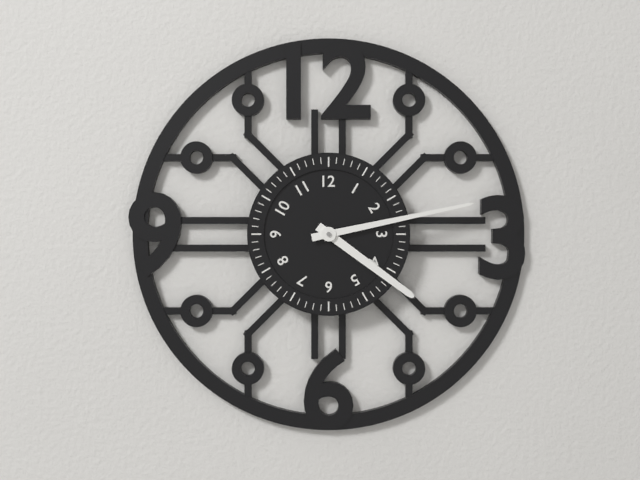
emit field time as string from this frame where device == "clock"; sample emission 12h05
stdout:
4h13
